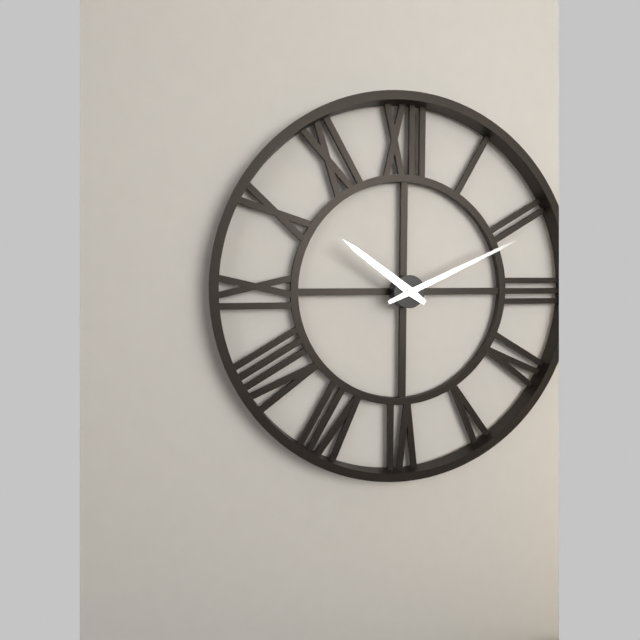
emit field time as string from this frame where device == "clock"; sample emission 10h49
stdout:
10h11
